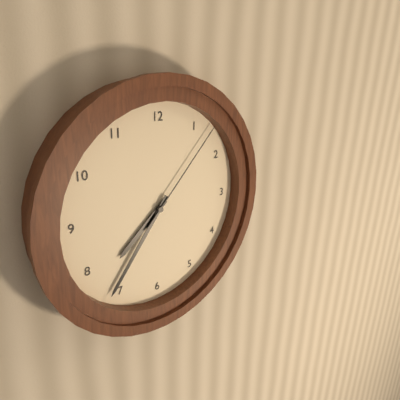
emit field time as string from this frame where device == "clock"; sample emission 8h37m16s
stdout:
7h36m07s
